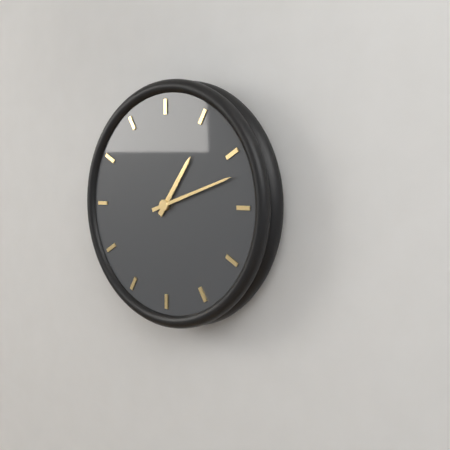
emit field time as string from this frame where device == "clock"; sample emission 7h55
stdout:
1h12
